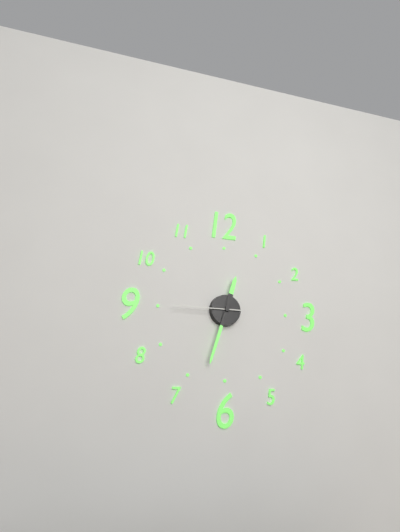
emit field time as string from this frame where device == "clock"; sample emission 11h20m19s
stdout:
12h33m45s
